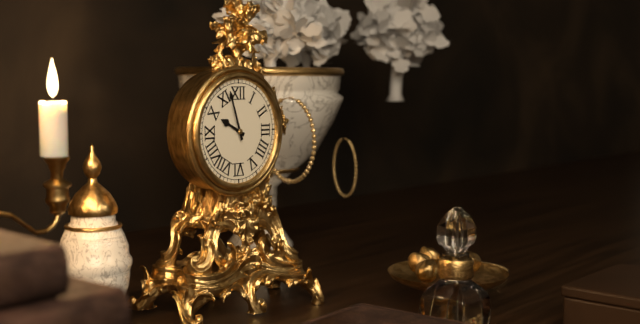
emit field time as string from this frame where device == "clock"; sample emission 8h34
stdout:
9h57
